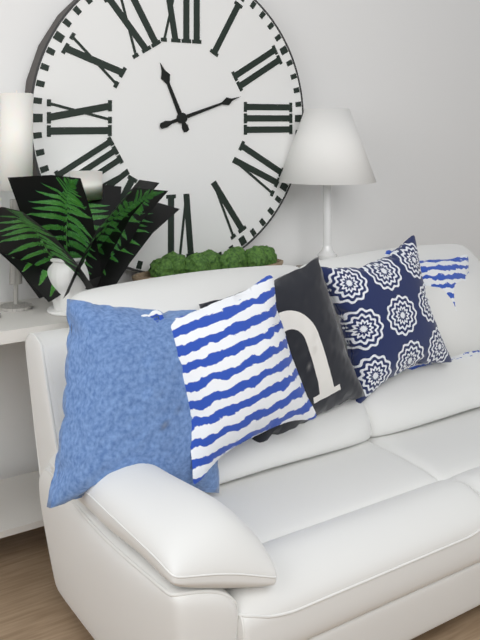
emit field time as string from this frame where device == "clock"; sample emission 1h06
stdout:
11h12
